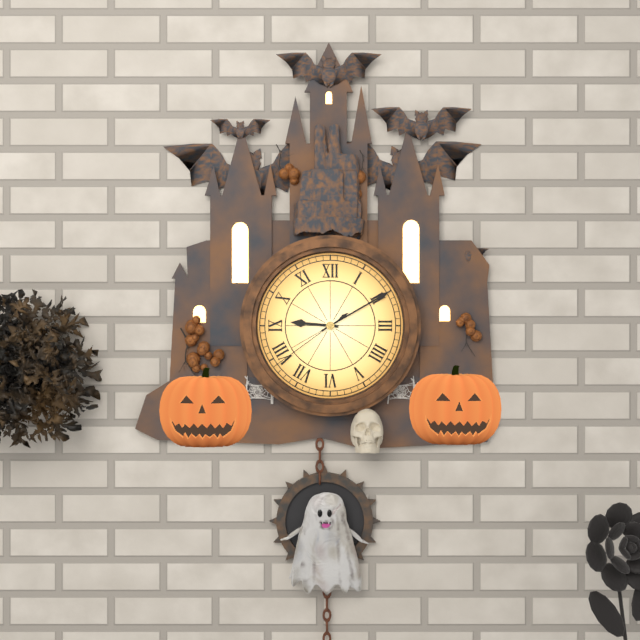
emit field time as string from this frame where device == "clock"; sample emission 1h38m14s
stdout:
9h10m39s
